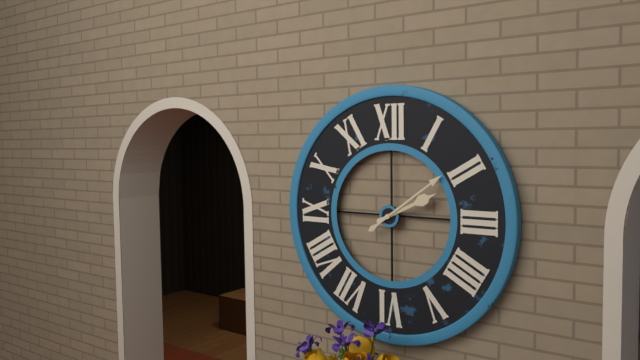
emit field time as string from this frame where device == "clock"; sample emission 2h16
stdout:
2h09
